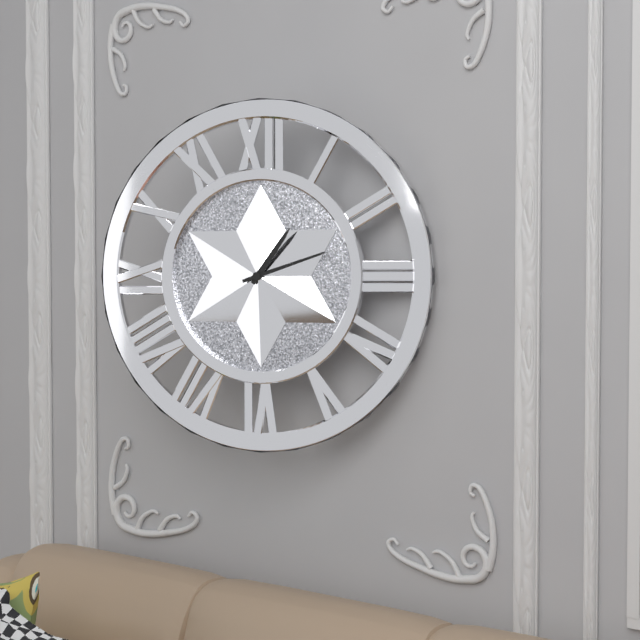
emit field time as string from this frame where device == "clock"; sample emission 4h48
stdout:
1h12
